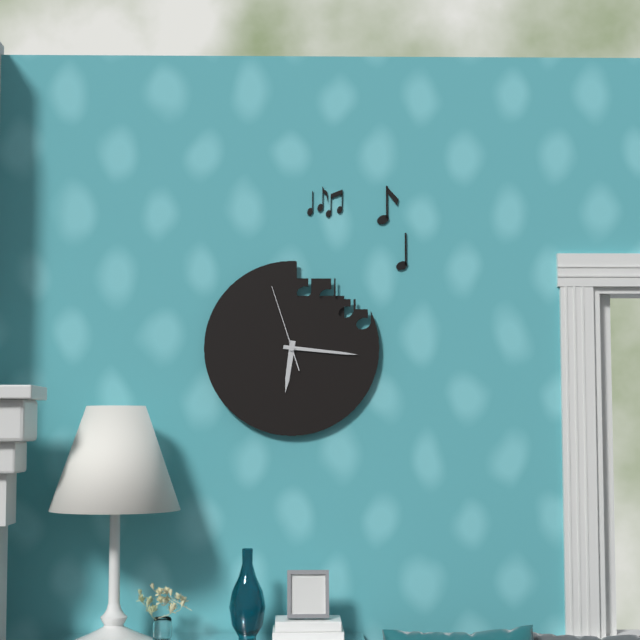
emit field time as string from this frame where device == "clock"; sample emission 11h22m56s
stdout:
6h16m57s
